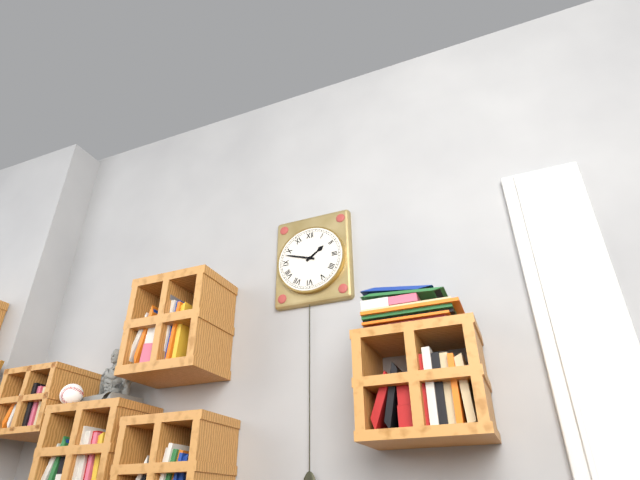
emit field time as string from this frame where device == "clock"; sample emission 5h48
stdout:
1h48
